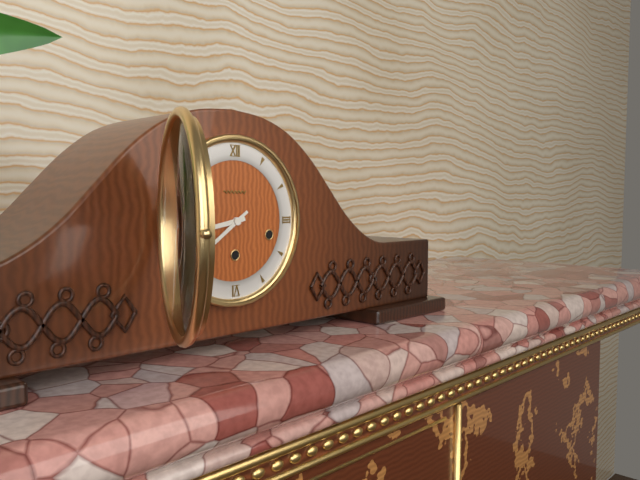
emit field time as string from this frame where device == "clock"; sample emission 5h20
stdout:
8h39
